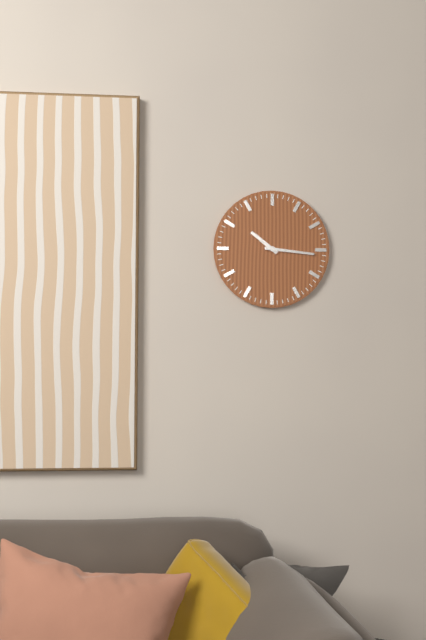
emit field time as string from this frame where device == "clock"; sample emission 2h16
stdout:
10h16
